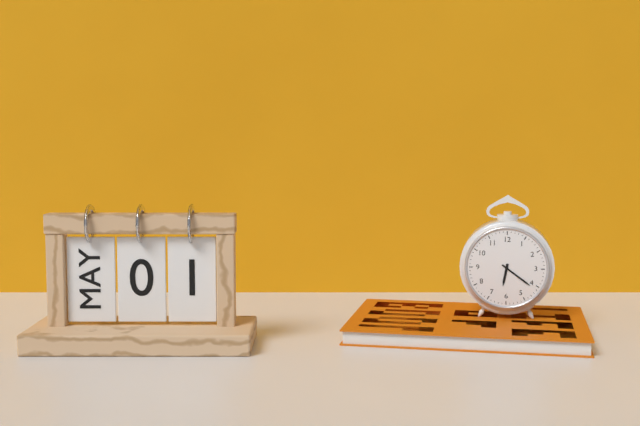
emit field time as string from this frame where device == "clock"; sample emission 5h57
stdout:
6h21
